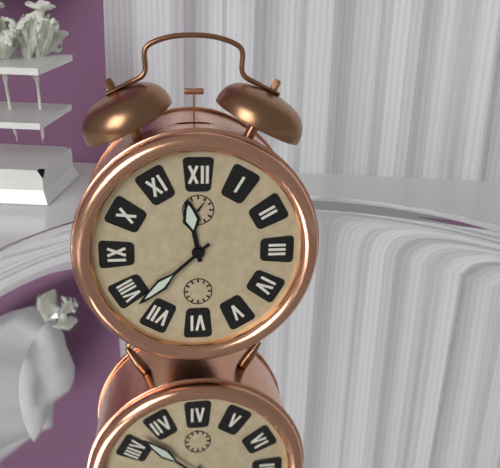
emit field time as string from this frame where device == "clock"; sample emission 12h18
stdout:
11h38
